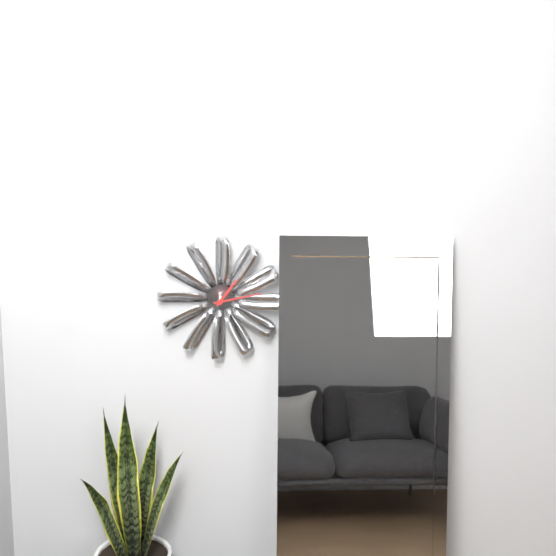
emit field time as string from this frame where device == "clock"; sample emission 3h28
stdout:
1h13
